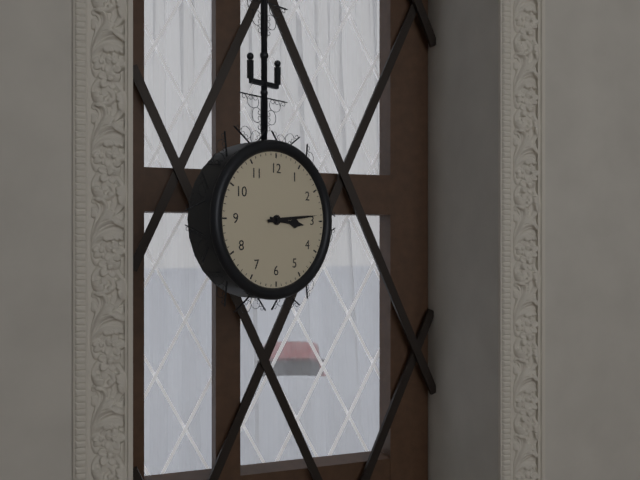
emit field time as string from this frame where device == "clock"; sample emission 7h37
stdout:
3h14
